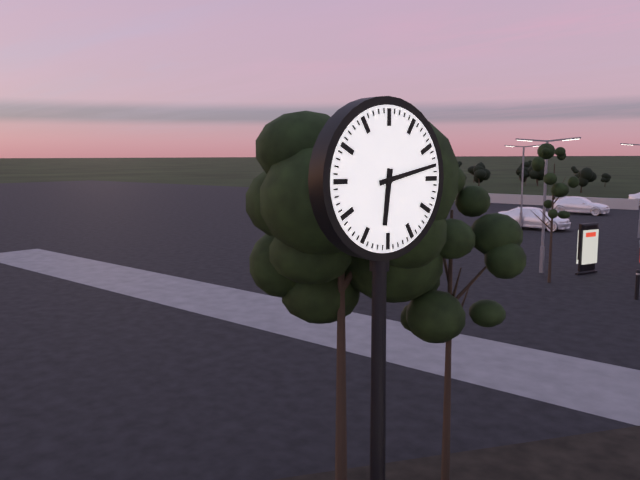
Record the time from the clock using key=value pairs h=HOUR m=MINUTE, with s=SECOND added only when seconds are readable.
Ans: h=6 m=13
